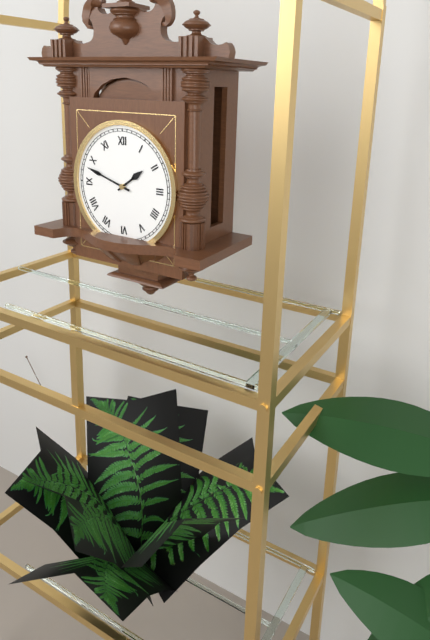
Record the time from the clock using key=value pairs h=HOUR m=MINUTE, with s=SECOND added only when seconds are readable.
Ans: h=1 m=48
